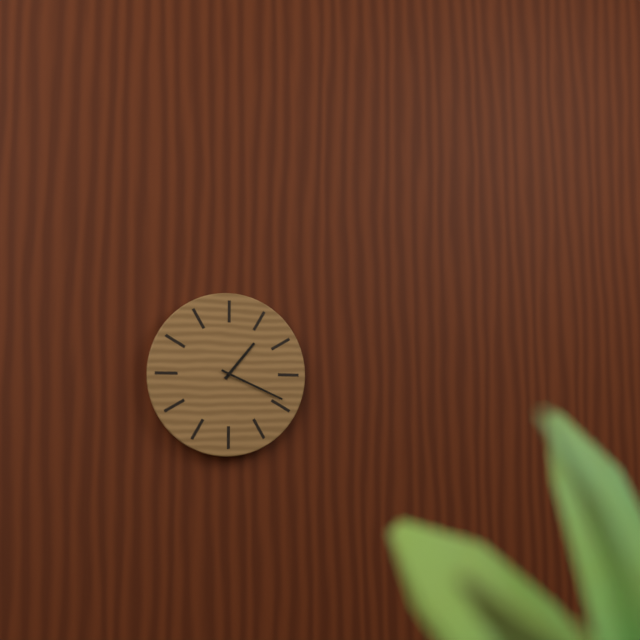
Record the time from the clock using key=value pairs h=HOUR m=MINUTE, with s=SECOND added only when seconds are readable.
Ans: h=1 m=19
